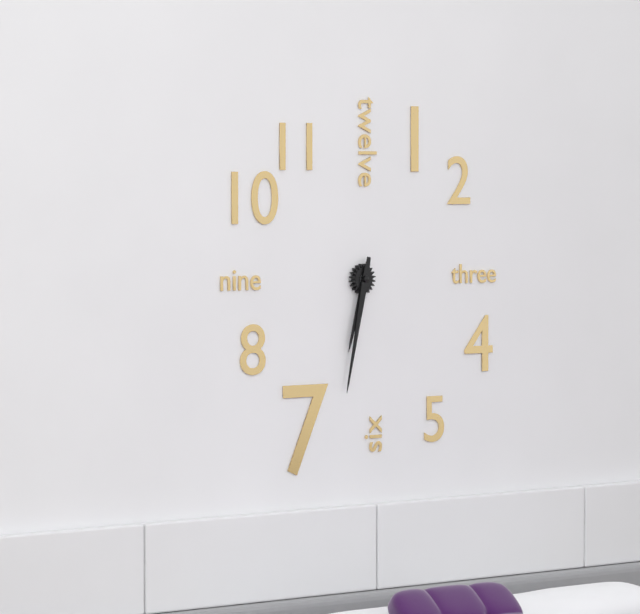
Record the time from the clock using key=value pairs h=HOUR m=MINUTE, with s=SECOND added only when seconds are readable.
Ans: h=6 m=32
